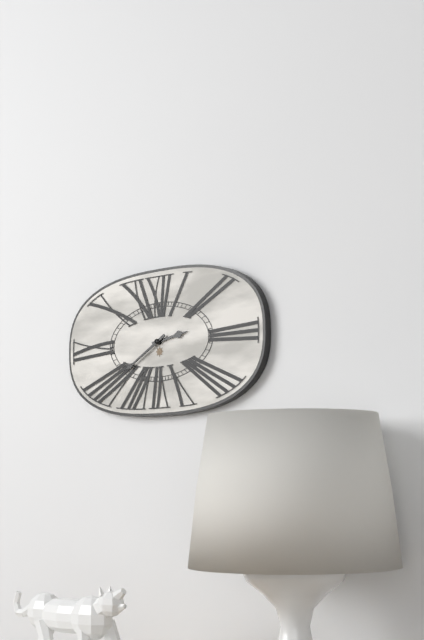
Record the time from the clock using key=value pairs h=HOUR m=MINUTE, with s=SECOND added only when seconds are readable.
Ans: h=2 m=40
